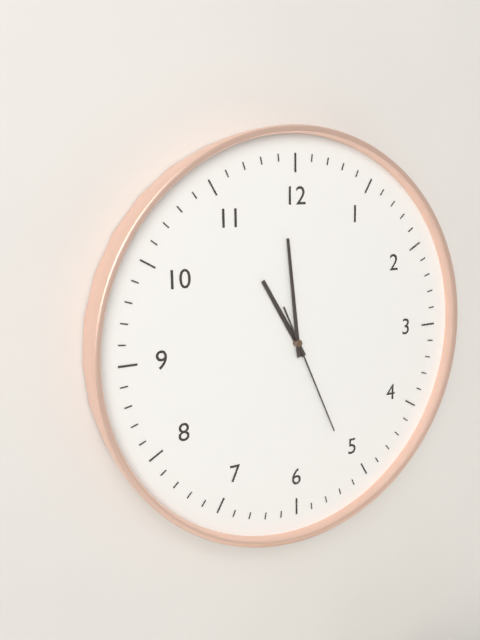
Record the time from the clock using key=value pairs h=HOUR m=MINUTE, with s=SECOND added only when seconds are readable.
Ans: h=10 m=59 s=26
